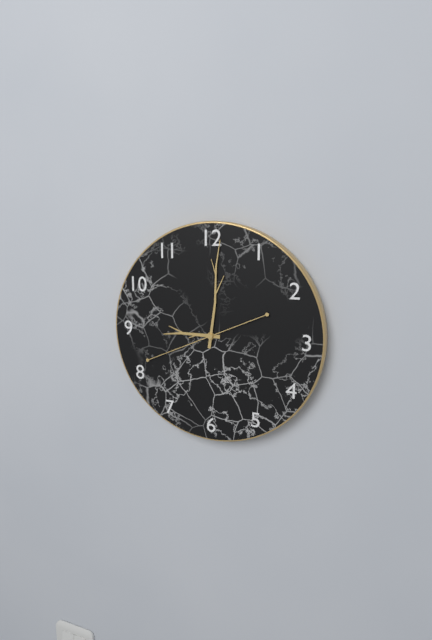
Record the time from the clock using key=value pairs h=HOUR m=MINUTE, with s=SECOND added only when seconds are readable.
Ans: h=9 m=1 s=41
